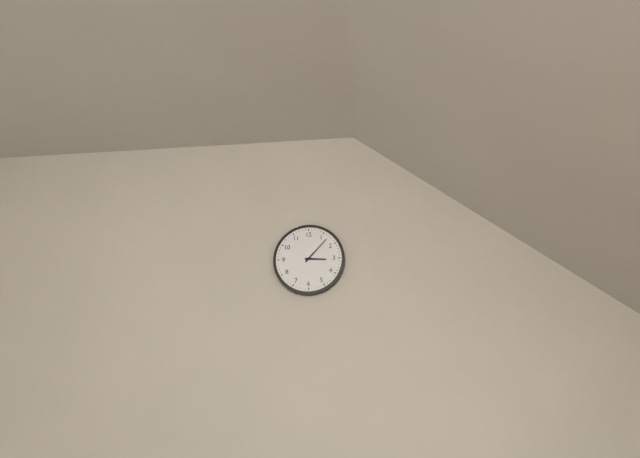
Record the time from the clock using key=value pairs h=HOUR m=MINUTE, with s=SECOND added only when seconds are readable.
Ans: h=3 m=7
